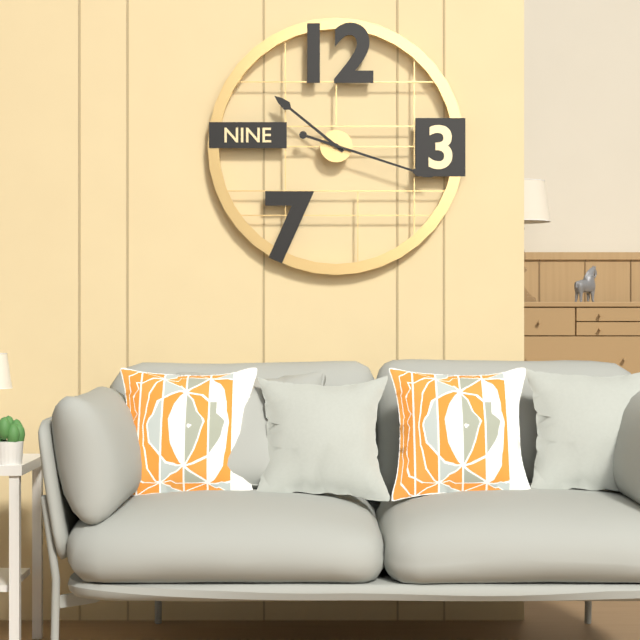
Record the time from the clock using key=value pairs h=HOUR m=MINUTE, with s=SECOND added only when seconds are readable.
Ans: h=10 m=18
